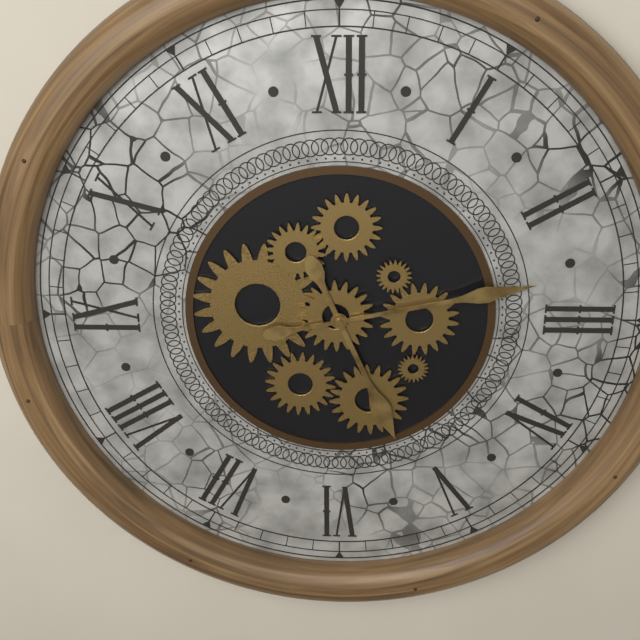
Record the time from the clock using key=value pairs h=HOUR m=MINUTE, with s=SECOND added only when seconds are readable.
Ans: h=5 m=13
